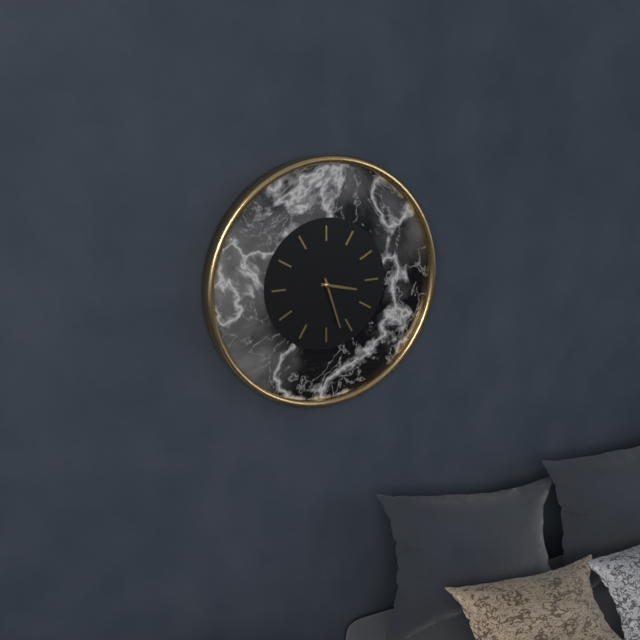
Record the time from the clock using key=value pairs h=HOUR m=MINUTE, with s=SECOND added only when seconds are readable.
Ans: h=3 m=27
